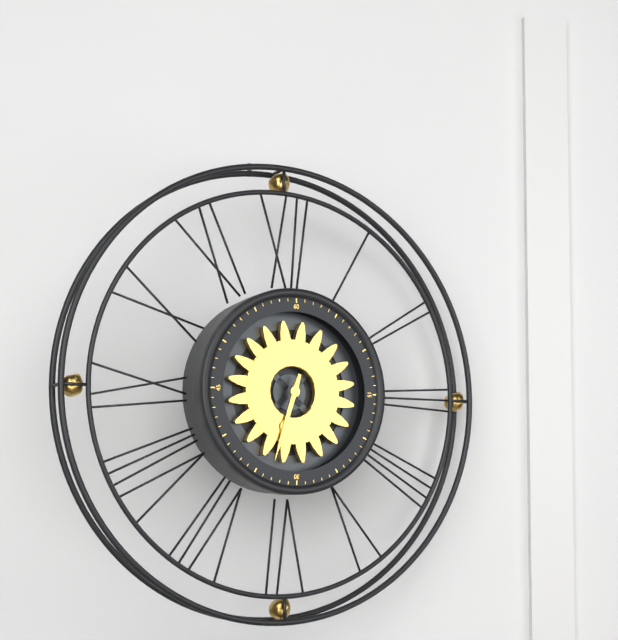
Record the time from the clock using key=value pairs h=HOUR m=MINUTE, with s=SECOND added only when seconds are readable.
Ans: h=6 m=33
